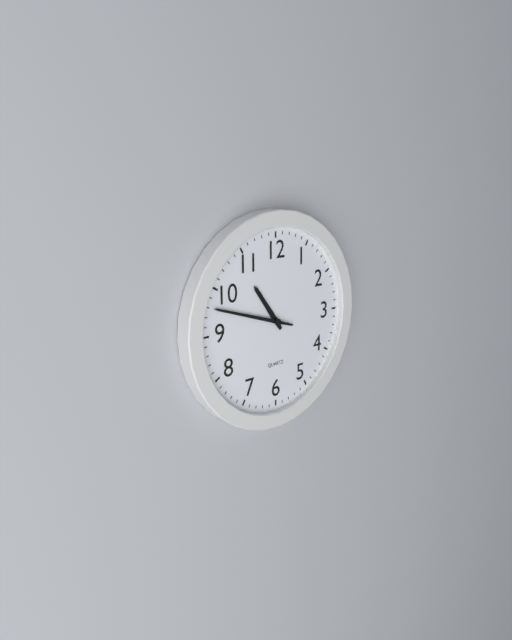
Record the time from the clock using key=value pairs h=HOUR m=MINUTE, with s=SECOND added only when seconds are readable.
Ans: h=10 m=48
